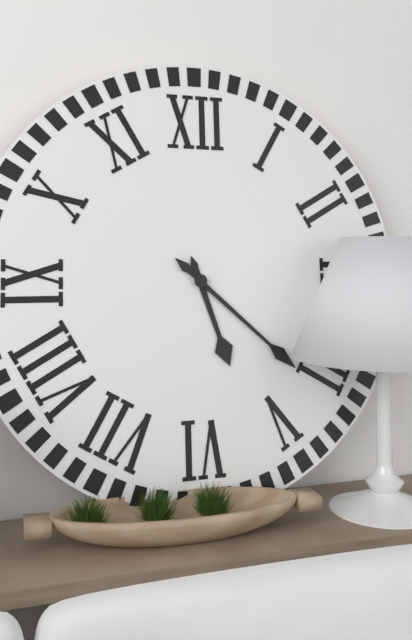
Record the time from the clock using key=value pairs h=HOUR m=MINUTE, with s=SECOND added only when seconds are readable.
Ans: h=5 m=22
